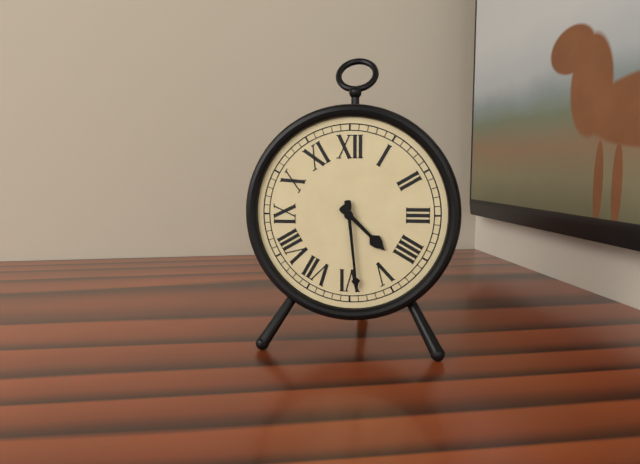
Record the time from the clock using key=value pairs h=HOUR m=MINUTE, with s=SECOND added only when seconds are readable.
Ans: h=4 m=29
